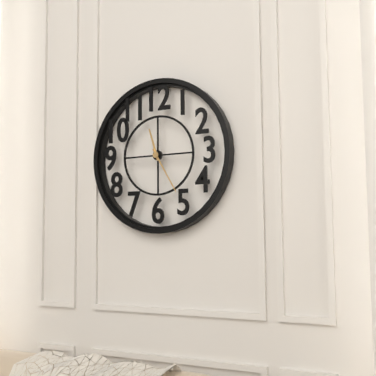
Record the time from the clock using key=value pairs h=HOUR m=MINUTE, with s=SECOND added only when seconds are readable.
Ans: h=11 m=25
